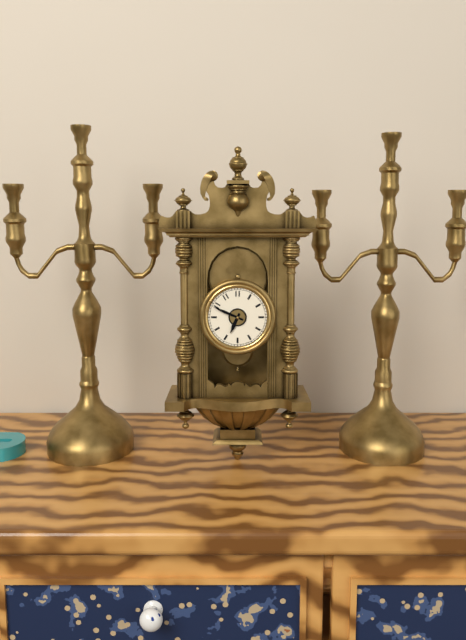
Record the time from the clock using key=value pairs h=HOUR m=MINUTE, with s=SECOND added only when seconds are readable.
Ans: h=6 m=49
